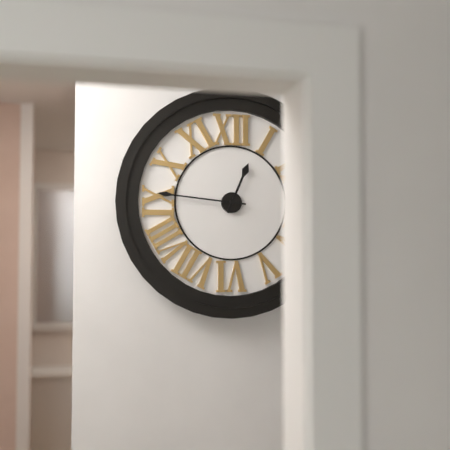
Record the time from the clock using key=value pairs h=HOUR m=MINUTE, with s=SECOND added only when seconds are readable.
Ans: h=12 m=46
